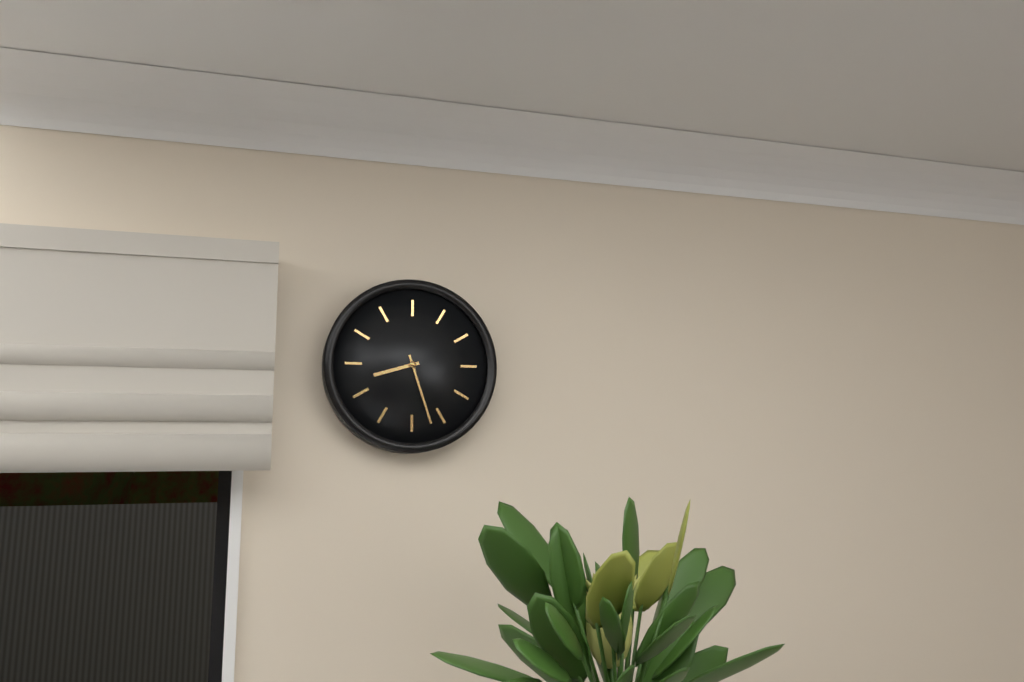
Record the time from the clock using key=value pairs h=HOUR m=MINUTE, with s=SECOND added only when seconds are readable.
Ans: h=8 m=27
